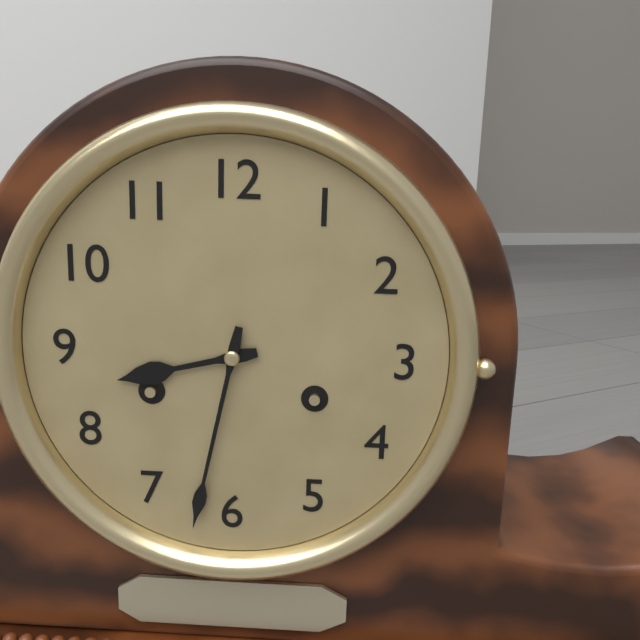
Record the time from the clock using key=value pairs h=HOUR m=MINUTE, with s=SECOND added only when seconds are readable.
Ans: h=8 m=32
